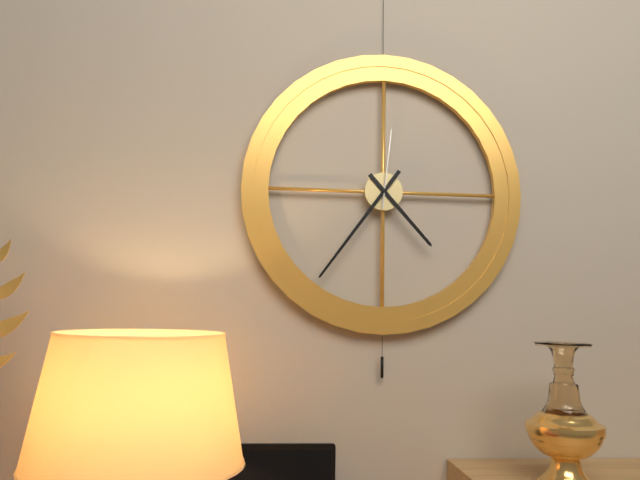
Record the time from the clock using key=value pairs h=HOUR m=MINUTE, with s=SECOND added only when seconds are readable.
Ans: h=4 m=36 s=1
